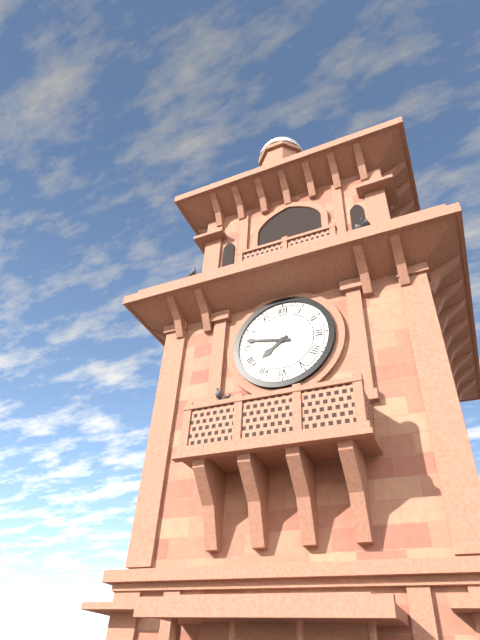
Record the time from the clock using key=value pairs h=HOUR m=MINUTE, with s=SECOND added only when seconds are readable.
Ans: h=7 m=47
